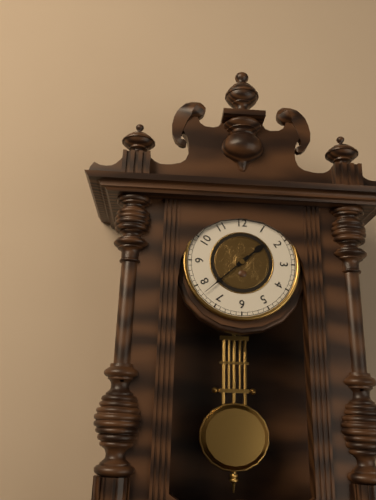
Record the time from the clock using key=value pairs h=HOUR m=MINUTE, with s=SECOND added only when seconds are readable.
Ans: h=1 m=38
